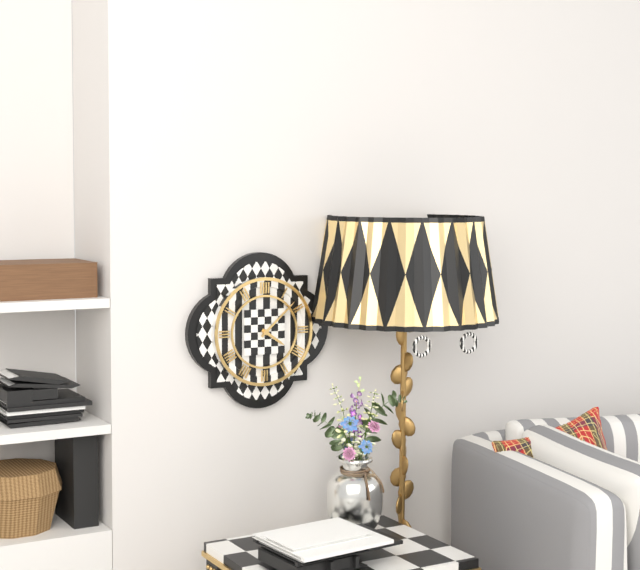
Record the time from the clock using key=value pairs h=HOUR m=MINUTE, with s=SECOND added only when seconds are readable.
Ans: h=4 m=8
